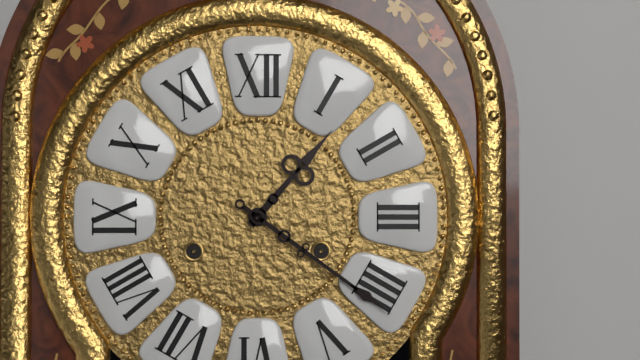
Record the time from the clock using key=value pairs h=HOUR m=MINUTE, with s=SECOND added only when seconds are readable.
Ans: h=1 m=21
